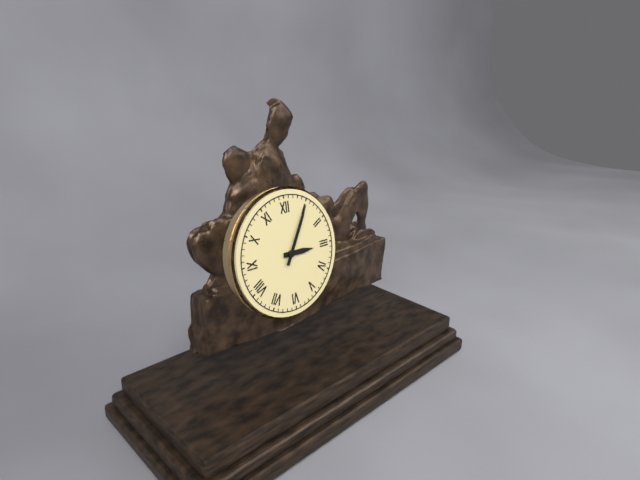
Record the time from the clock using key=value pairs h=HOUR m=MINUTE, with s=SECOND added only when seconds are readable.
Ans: h=3 m=5
